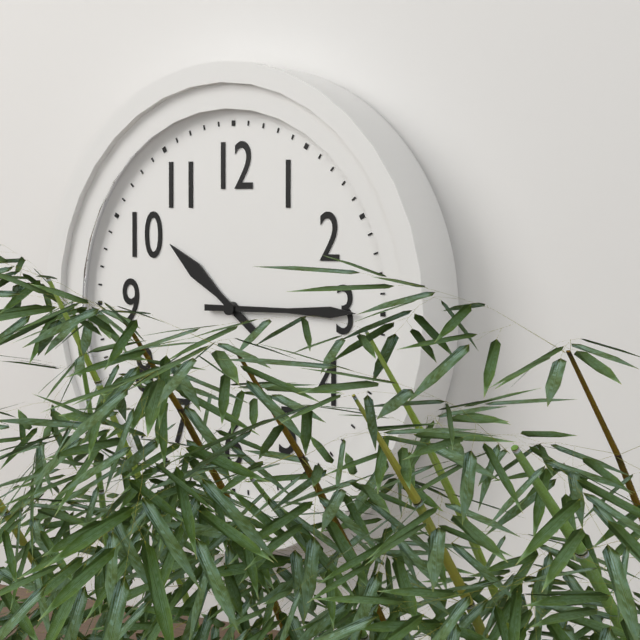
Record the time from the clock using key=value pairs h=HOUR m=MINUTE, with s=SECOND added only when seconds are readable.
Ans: h=10 m=15
